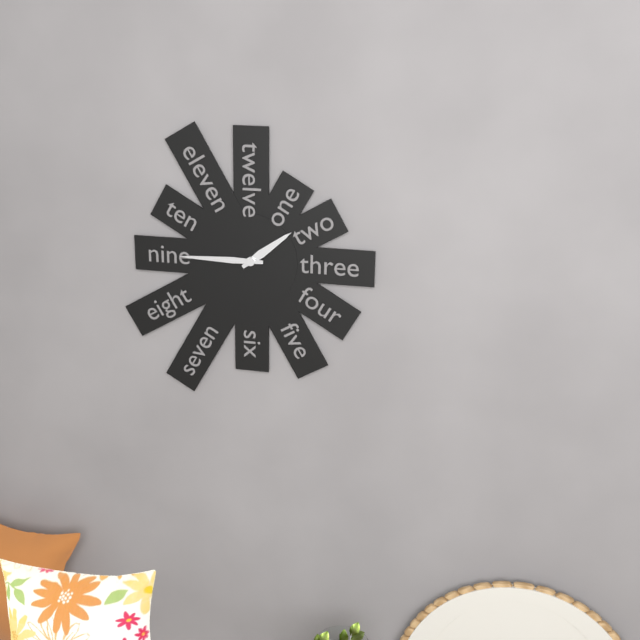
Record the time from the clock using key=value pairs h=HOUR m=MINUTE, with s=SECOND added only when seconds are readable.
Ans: h=1 m=45
